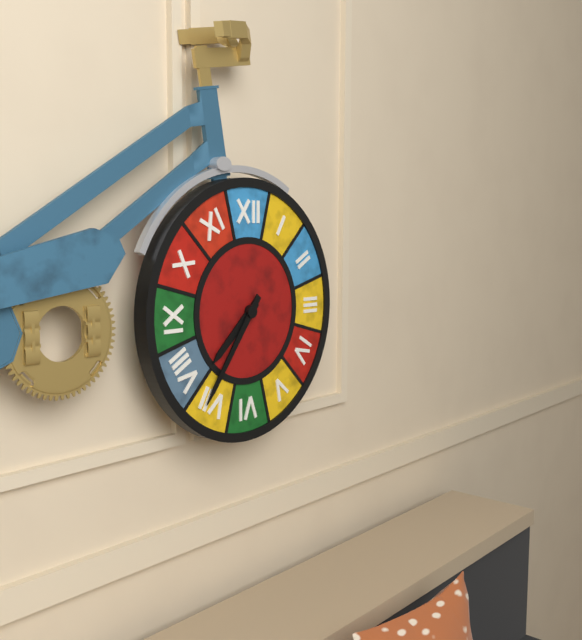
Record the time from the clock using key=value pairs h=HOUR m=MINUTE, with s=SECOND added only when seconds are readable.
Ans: h=7 m=36
